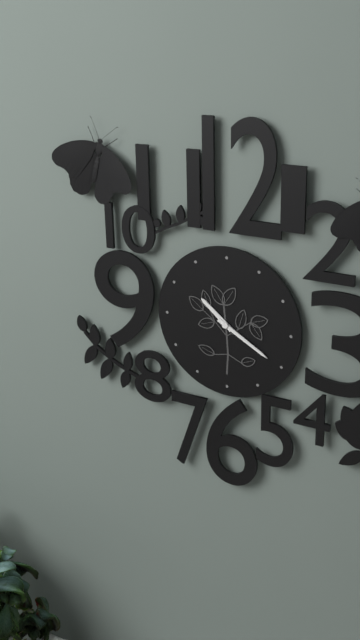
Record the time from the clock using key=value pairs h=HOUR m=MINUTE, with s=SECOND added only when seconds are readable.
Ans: h=10 m=20
